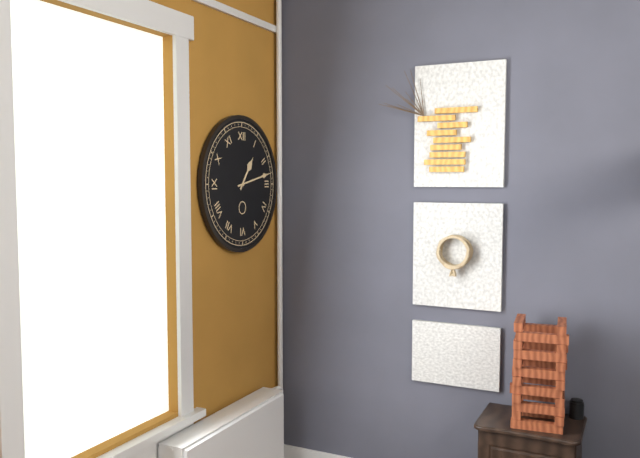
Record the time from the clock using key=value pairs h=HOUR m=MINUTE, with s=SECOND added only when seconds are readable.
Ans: h=1 m=13
